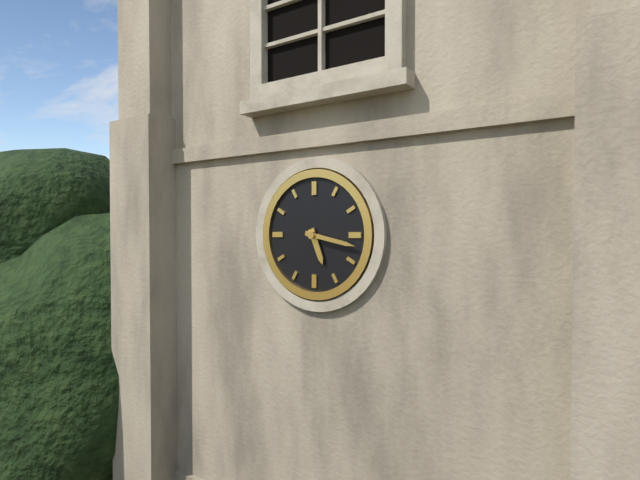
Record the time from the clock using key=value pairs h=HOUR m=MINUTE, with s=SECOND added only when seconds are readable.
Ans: h=5 m=17
